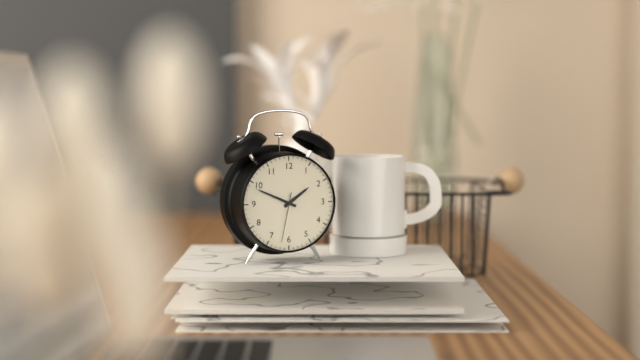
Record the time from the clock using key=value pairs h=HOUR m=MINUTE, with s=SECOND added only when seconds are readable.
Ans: h=1 m=49 s=32
